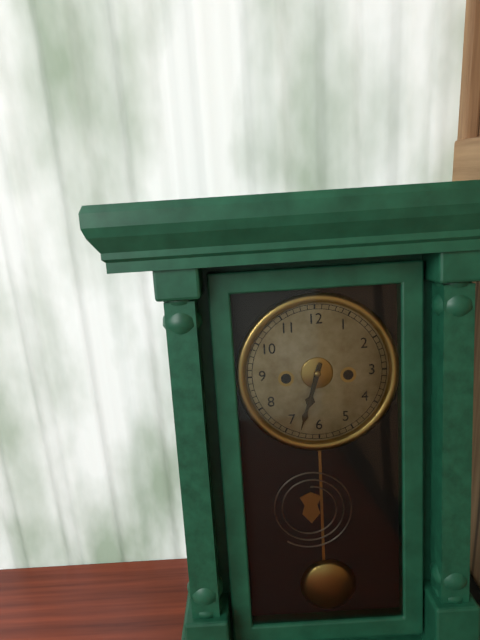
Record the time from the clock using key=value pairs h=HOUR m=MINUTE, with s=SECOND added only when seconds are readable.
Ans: h=6 m=33
